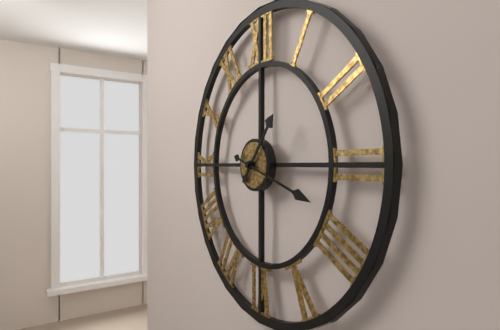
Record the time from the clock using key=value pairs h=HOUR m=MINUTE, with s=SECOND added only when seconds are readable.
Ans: h=1 m=18
